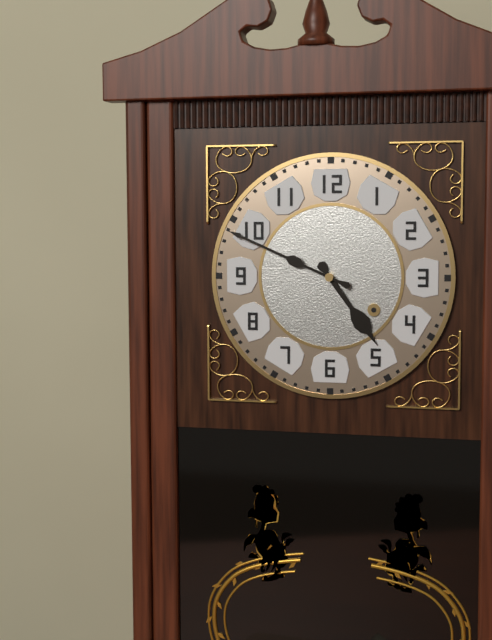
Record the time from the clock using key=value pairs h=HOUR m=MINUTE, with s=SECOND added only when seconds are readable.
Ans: h=4 m=49
